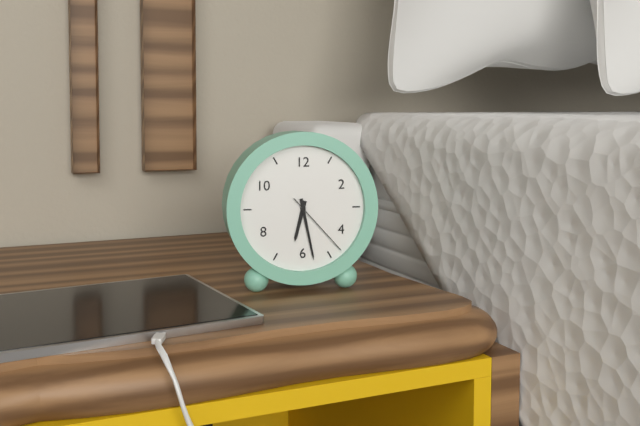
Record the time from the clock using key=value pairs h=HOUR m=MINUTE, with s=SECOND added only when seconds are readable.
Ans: h=6 m=28 s=23
